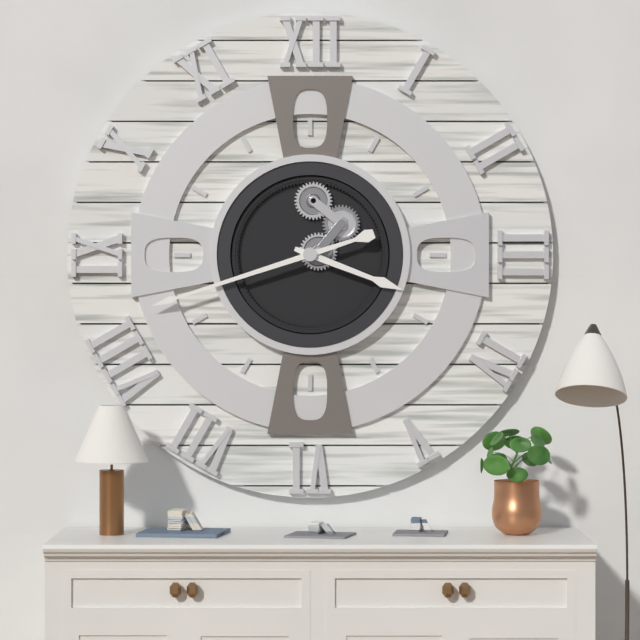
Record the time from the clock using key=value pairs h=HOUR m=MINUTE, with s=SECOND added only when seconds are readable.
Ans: h=3 m=42
